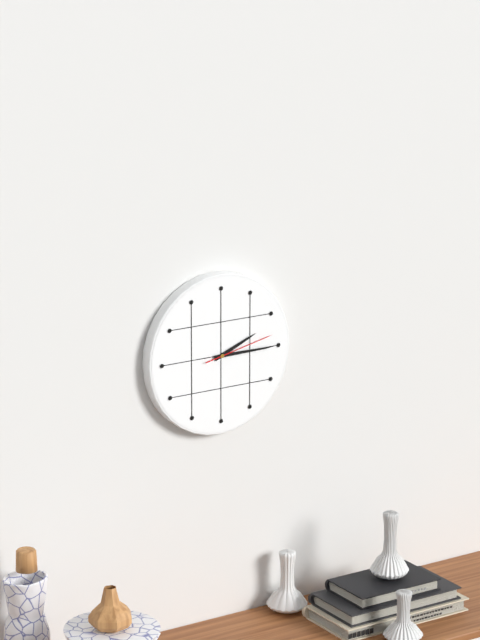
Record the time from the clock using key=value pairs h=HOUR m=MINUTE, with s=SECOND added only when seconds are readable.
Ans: h=2 m=15 s=13
